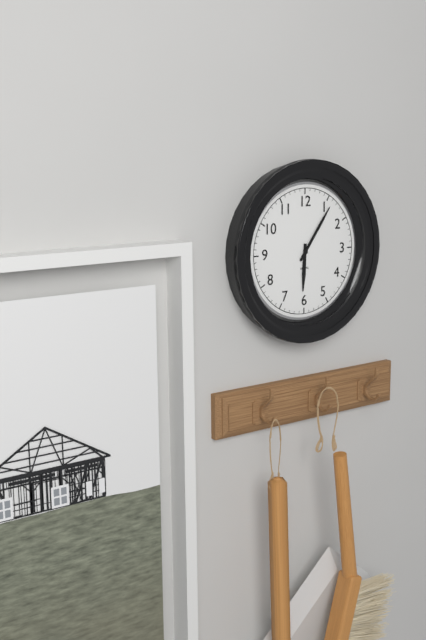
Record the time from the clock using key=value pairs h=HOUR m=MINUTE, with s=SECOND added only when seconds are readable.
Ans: h=6 m=6
